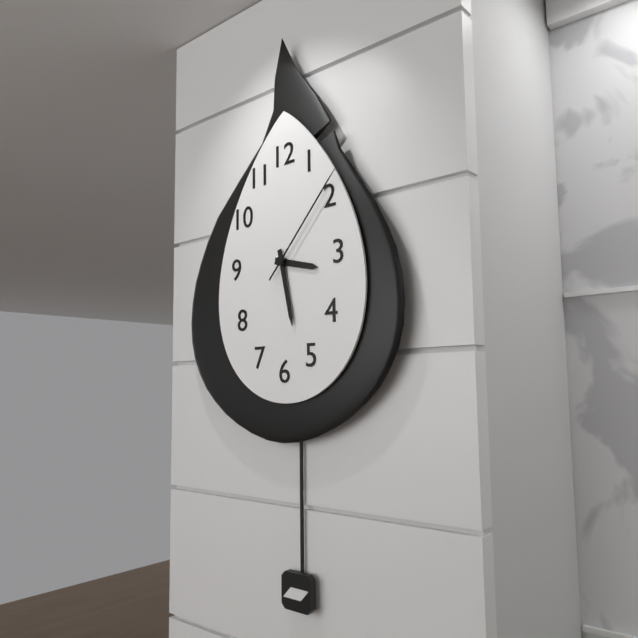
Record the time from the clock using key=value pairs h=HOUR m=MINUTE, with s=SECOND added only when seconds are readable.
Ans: h=3 m=28 s=7
